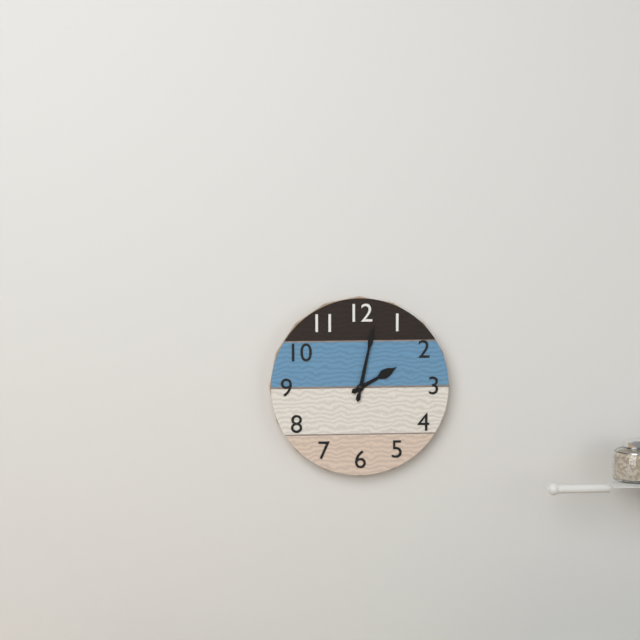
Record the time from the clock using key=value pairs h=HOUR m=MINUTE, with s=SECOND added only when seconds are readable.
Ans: h=2 m=2
